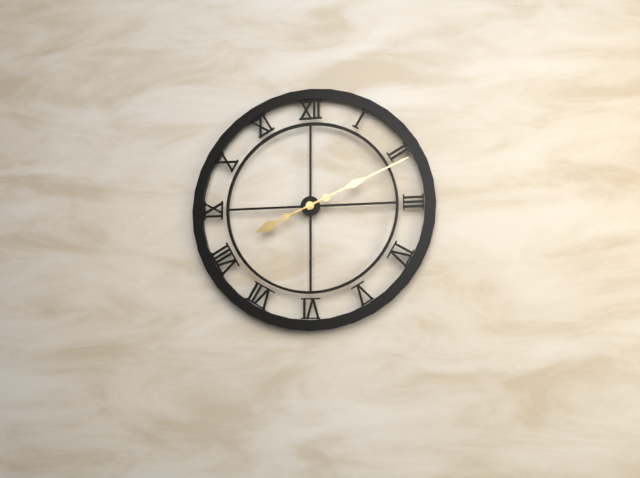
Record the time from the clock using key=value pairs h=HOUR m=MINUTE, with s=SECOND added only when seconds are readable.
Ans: h=8 m=11
